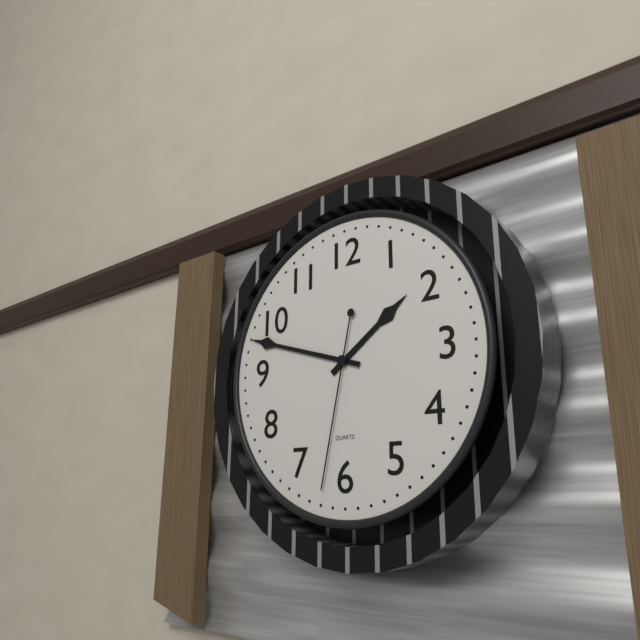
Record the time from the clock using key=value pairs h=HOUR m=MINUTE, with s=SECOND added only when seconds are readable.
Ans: h=1 m=48 s=32
